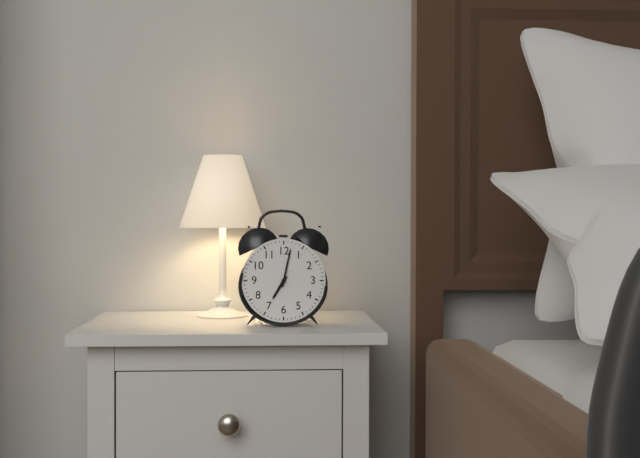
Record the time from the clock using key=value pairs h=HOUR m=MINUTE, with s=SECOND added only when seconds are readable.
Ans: h=7 m=2
